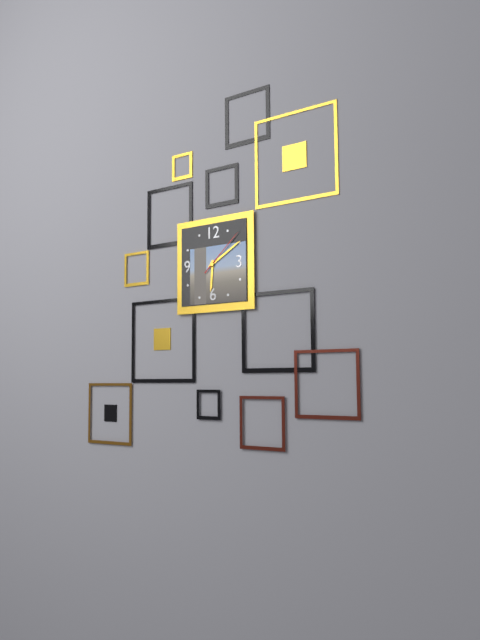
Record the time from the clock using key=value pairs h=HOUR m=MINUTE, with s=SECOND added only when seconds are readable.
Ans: h=6 m=10 s=8
